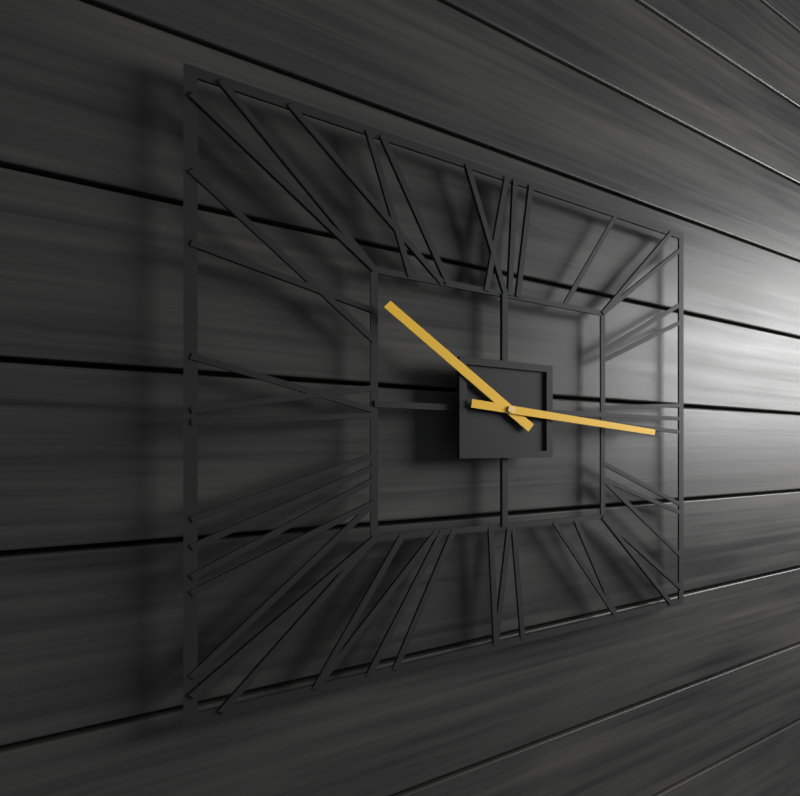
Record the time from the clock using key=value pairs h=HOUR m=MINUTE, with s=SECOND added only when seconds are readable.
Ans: h=10 m=16
